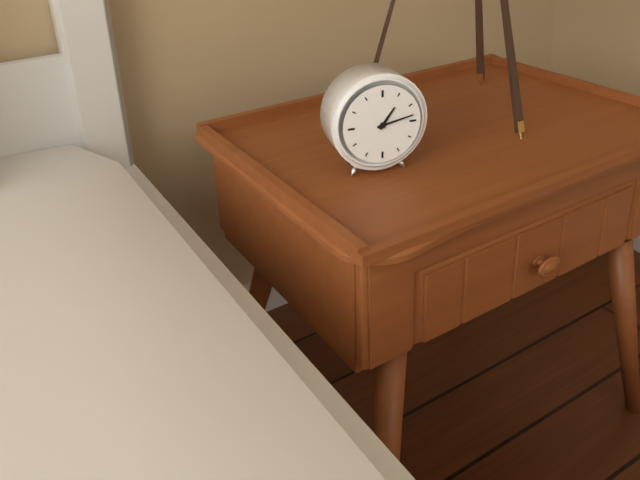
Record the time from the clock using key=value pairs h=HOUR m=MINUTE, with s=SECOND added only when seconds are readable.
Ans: h=1 m=13
